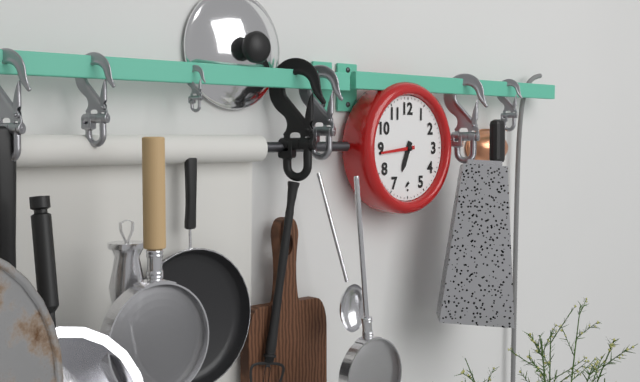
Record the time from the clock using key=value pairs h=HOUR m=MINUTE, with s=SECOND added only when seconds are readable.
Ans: h=6 m=44
